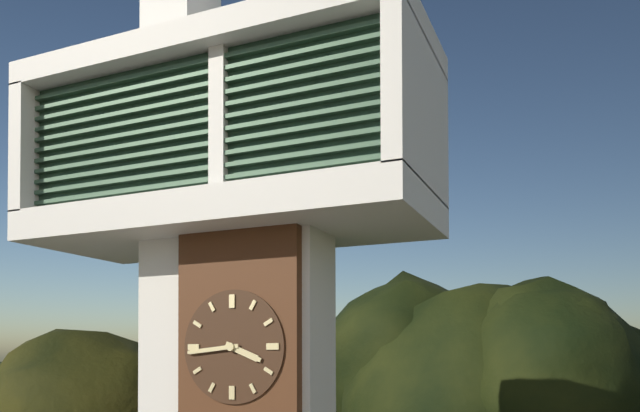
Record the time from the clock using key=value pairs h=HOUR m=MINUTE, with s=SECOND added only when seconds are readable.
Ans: h=3 m=44
